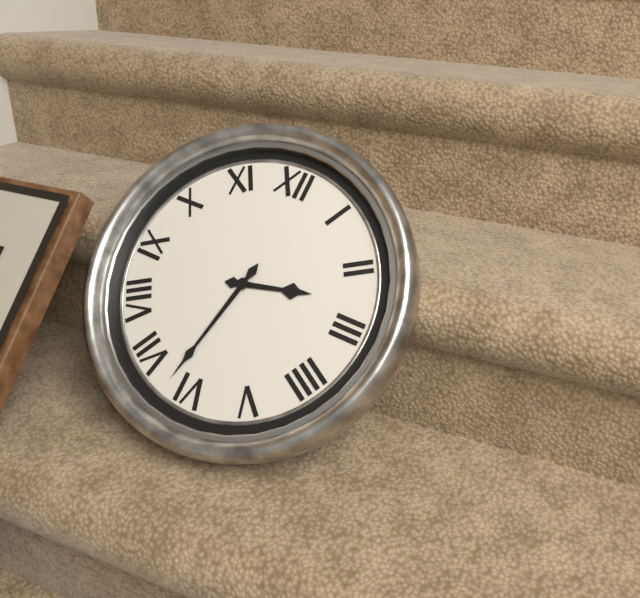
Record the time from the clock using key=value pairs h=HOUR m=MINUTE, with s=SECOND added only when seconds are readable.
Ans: h=2 m=32
